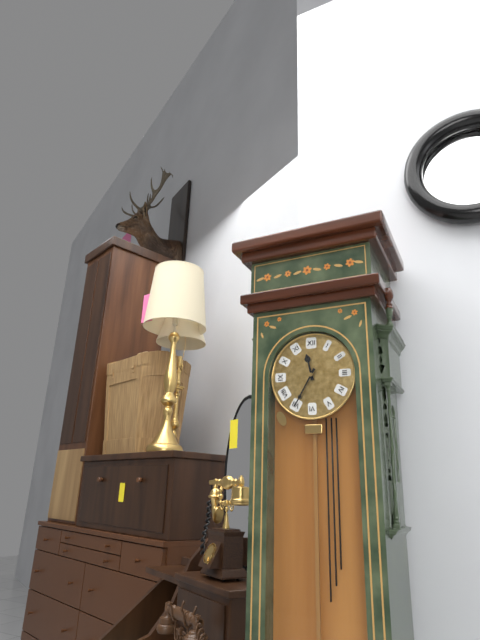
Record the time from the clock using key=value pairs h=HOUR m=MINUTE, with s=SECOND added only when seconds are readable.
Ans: h=11 m=35
